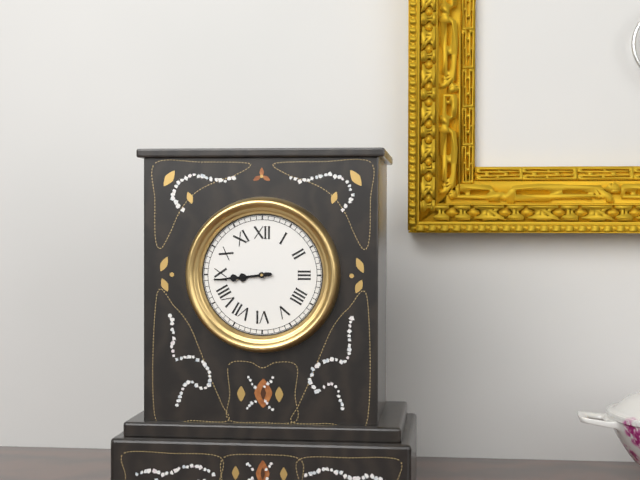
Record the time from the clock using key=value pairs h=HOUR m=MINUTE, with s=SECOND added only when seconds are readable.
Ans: h=8 m=44
